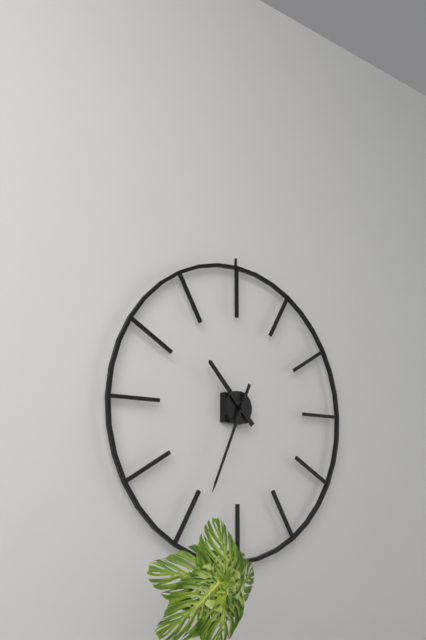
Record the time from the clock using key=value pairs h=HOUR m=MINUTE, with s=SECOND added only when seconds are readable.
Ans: h=10 m=34
